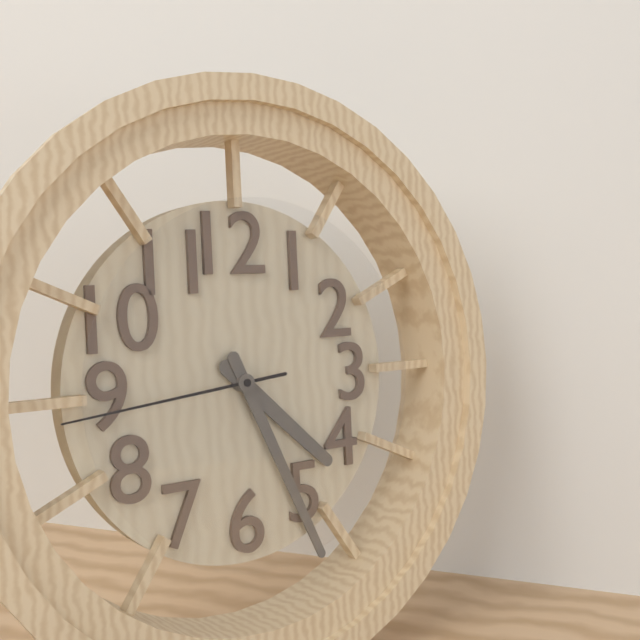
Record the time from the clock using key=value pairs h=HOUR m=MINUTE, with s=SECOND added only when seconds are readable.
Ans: h=4 m=26 s=44
